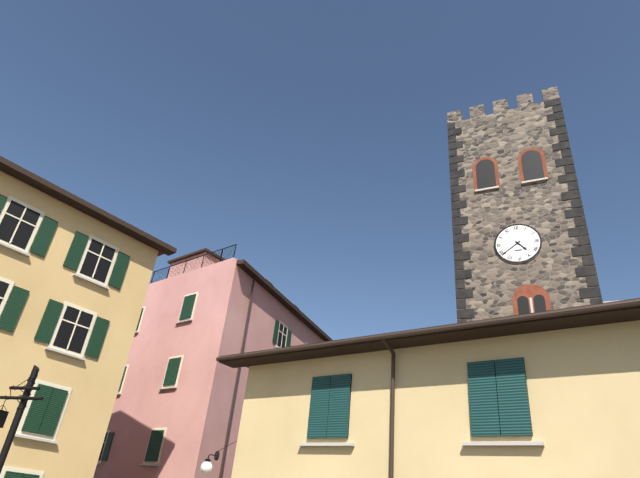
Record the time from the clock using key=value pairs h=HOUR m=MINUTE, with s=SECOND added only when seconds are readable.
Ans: h=4 m=39
